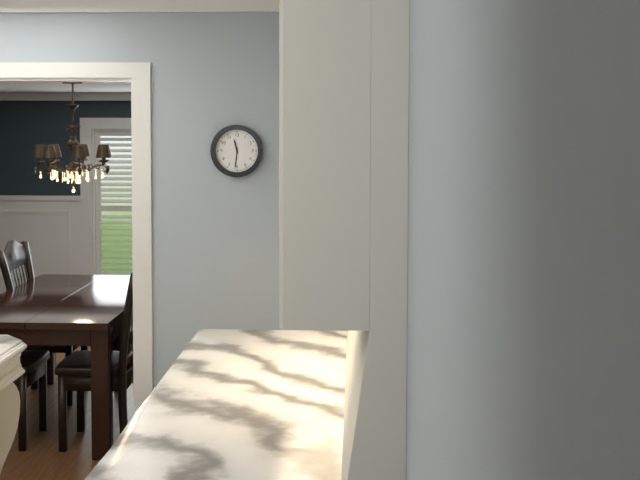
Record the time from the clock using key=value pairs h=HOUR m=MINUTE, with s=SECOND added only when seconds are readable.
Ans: h=11 m=31
